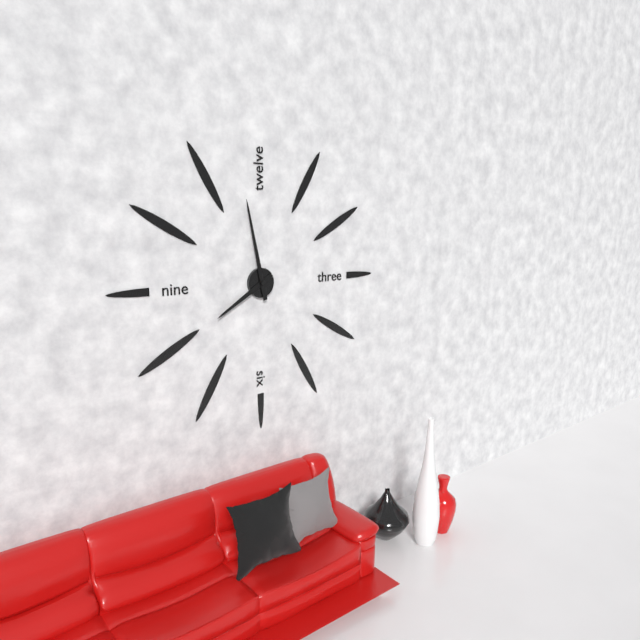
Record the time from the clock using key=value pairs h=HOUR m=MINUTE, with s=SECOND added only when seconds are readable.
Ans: h=7 m=58
